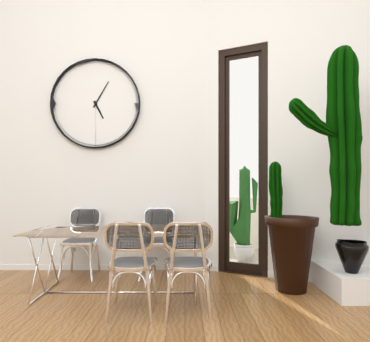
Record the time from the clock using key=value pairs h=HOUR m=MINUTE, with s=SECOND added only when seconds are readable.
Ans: h=5 m=5
